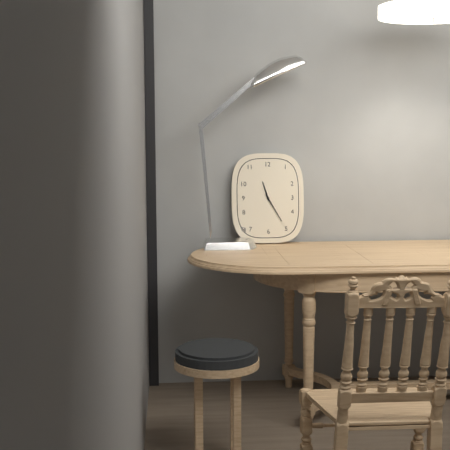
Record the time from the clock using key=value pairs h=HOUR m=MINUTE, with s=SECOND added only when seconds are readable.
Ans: h=11 m=25
